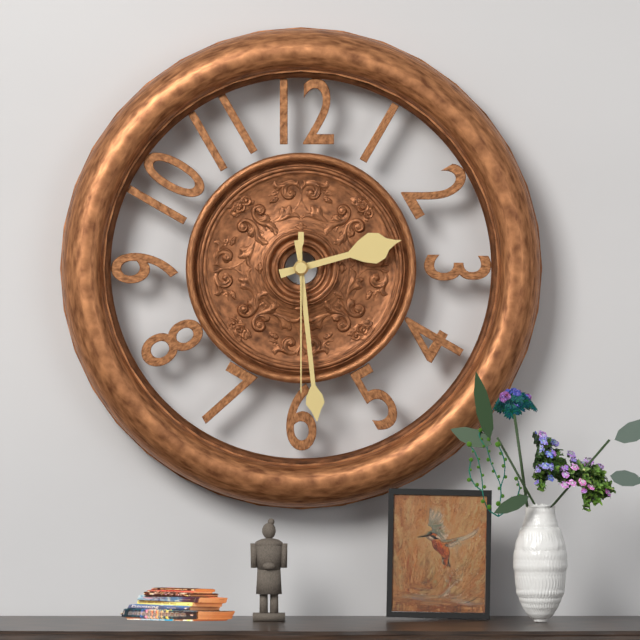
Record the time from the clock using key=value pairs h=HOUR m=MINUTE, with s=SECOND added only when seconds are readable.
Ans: h=2 m=29 s=30
